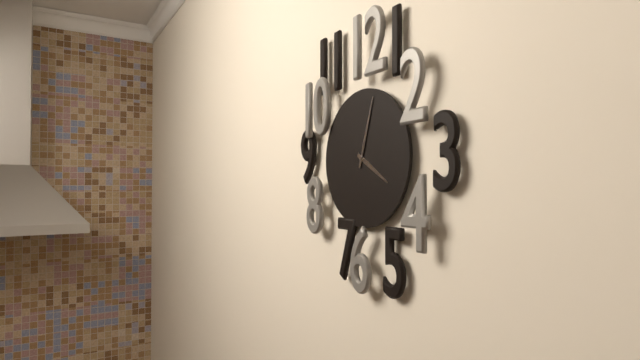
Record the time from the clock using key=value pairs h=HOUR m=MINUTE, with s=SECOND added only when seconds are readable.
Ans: h=4 m=3
